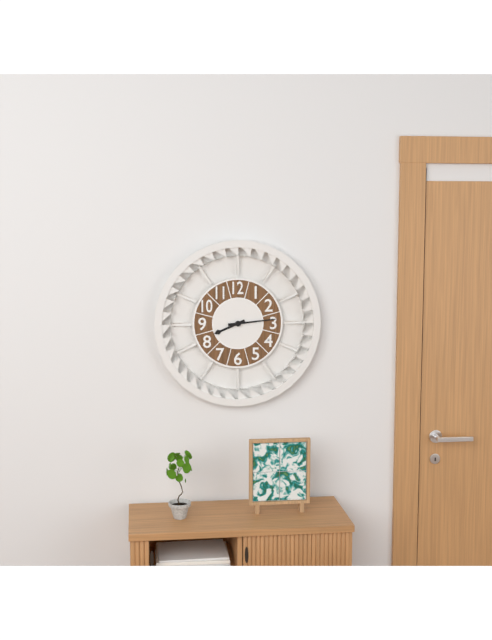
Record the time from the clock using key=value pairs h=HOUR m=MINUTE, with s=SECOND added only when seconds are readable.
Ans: h=8 m=14
